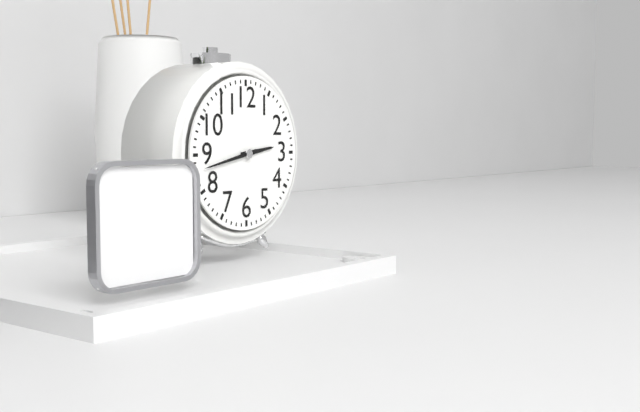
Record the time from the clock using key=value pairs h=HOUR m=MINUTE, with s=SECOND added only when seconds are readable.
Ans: h=2 m=43
